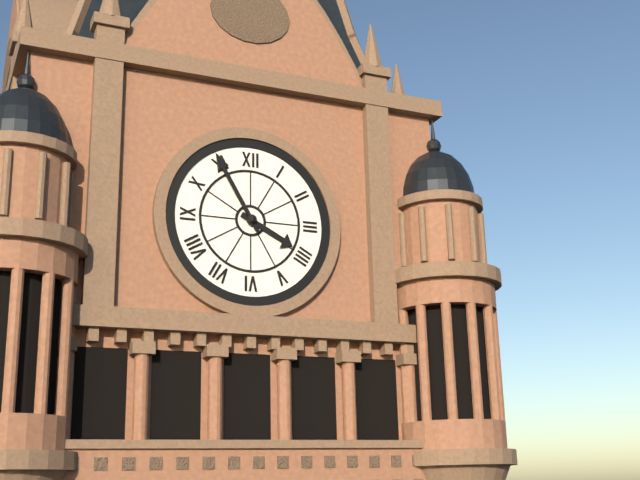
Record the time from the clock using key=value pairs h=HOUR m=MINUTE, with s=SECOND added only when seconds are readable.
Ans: h=3 m=55
